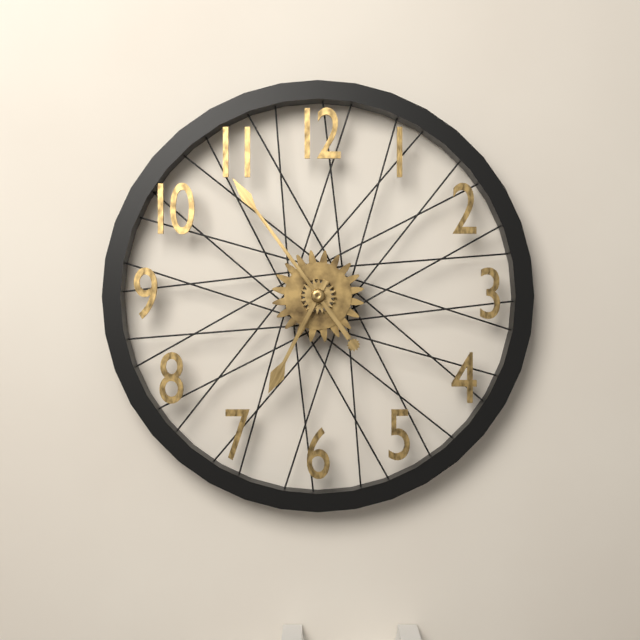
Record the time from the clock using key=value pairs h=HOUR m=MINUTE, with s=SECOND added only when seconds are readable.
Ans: h=6 m=54
